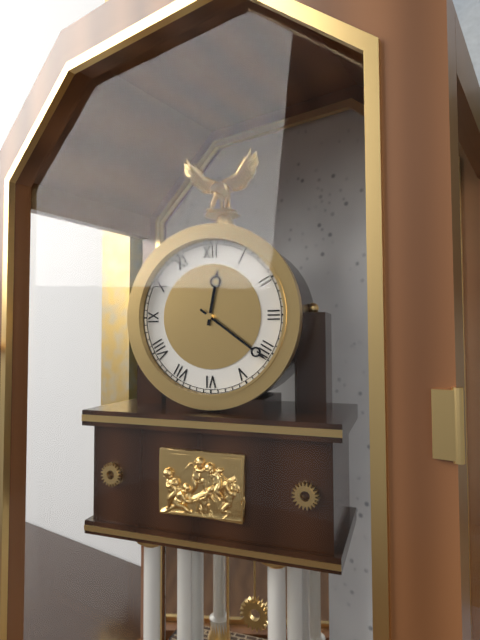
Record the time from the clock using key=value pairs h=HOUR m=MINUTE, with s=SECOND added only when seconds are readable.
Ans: h=12 m=21
